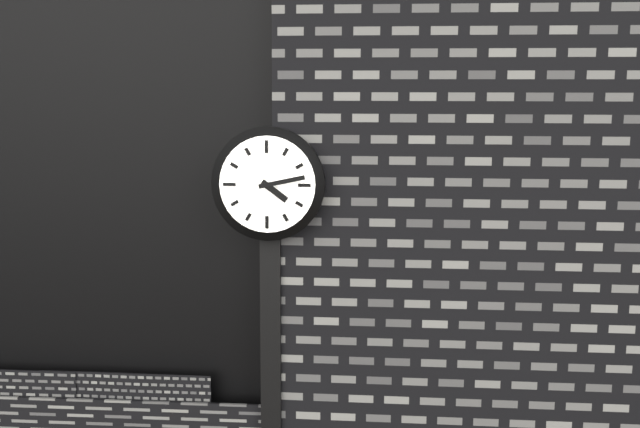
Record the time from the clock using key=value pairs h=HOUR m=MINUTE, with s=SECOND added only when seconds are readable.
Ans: h=4 m=13
